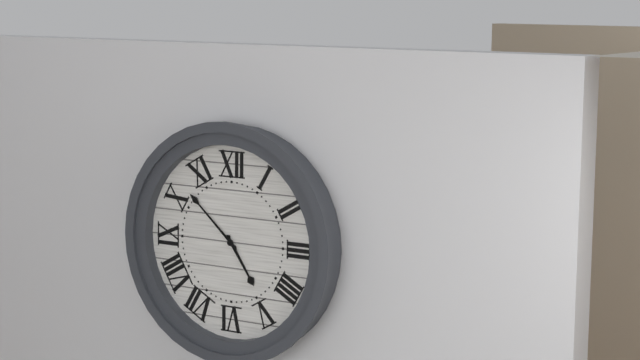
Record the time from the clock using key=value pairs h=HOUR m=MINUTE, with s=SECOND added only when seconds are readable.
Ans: h=4 m=52
